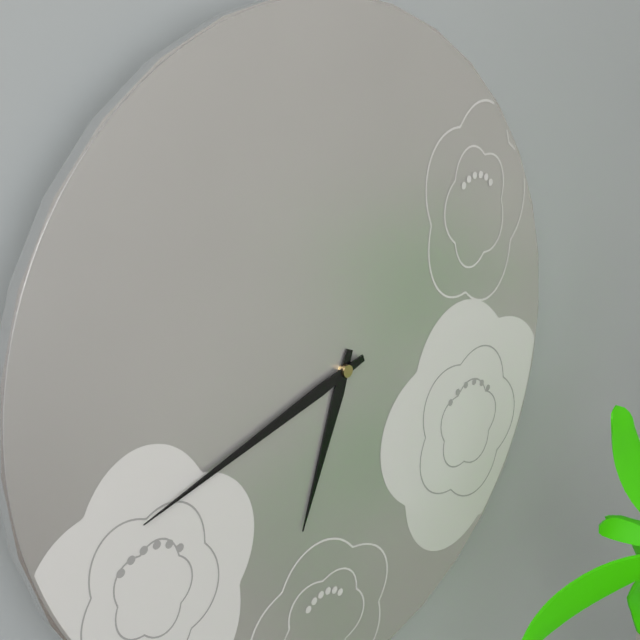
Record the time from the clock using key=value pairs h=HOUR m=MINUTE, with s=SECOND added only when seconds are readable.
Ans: h=6 m=42
